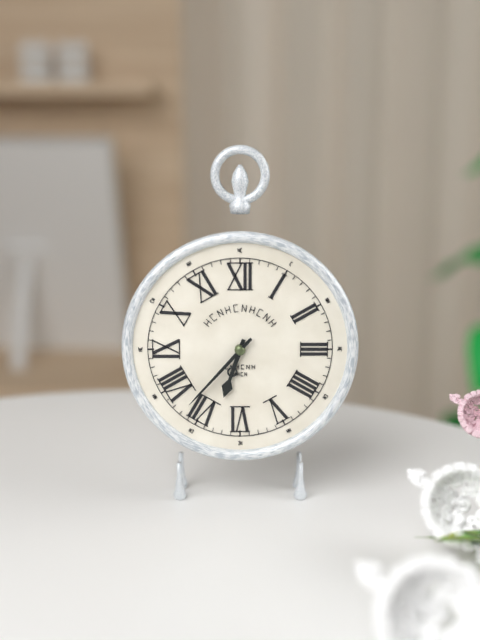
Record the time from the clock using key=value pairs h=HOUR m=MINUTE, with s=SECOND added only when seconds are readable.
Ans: h=6 m=37
